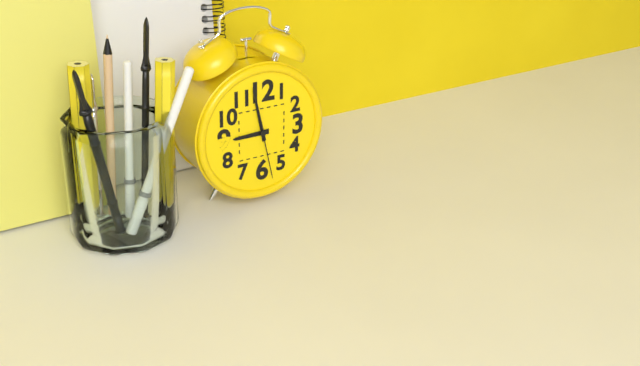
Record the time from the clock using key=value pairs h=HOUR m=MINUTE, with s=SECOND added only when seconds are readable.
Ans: h=8 m=58 s=28
